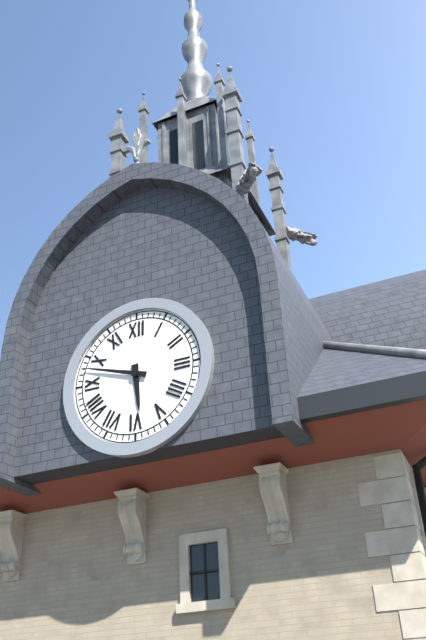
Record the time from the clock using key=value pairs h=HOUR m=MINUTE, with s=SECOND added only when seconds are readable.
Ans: h=5 m=48
